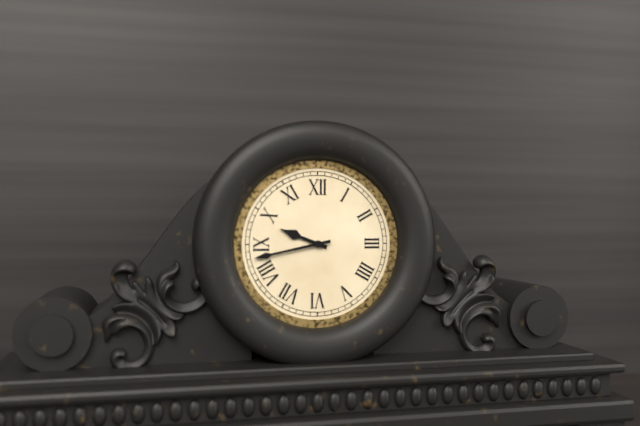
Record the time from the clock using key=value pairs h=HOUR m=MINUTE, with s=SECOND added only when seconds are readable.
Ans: h=9 m=43
